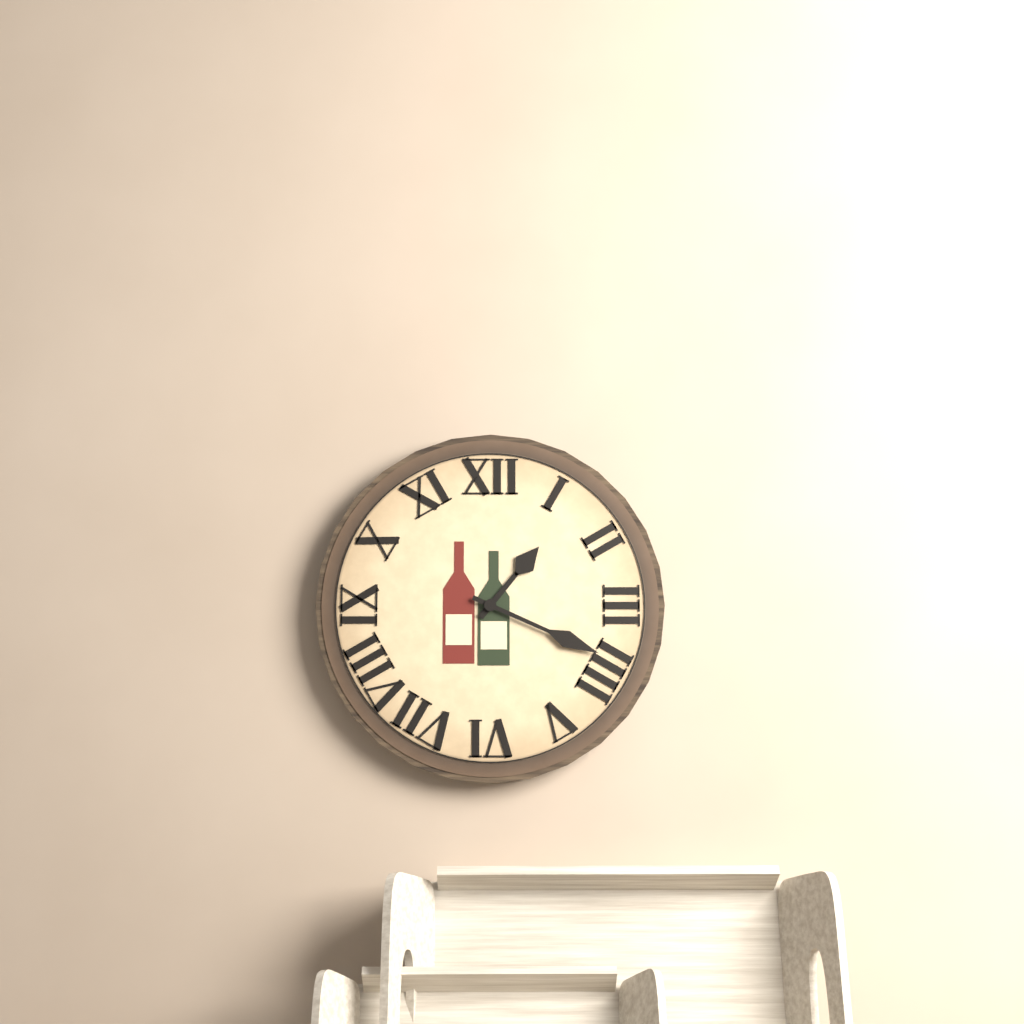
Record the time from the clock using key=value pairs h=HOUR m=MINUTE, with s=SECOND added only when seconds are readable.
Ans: h=1 m=19
